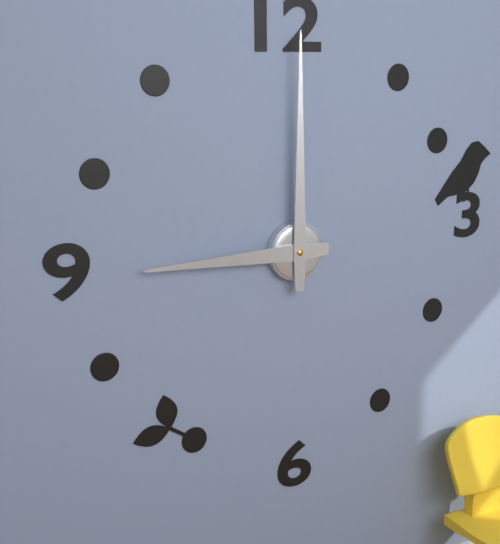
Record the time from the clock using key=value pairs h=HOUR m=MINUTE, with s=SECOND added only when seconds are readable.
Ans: h=9 m=0
